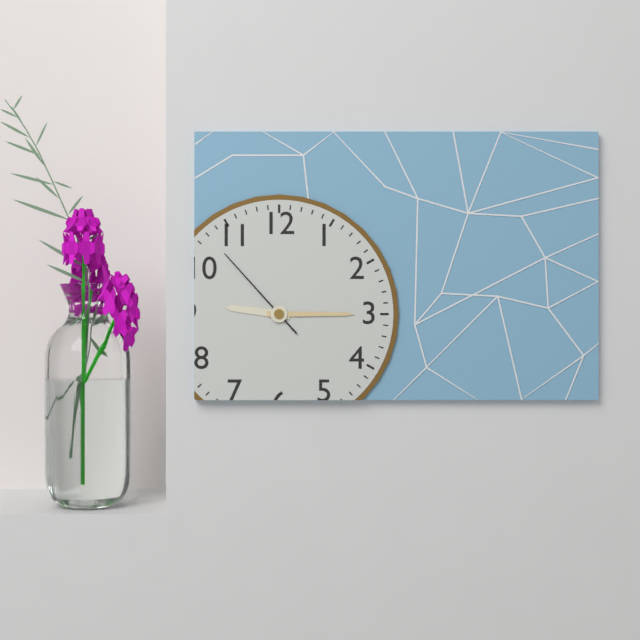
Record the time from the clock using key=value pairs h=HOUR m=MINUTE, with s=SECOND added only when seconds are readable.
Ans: h=9 m=15 s=53
